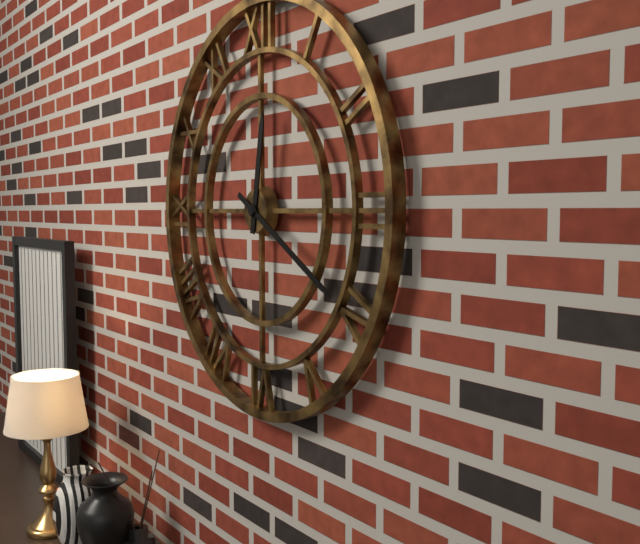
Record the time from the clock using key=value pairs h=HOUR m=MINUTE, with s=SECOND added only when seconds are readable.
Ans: h=12 m=20
